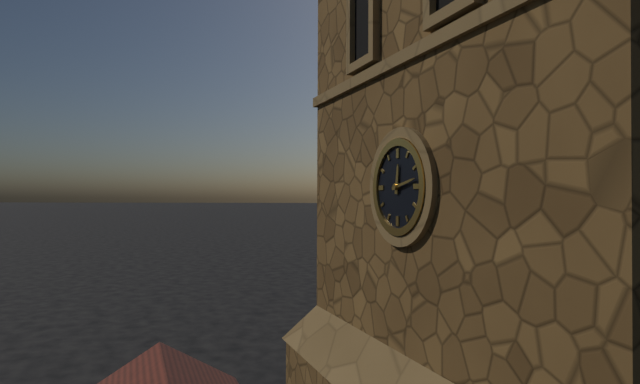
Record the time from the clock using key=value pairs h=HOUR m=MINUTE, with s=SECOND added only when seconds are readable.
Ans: h=12 m=13
